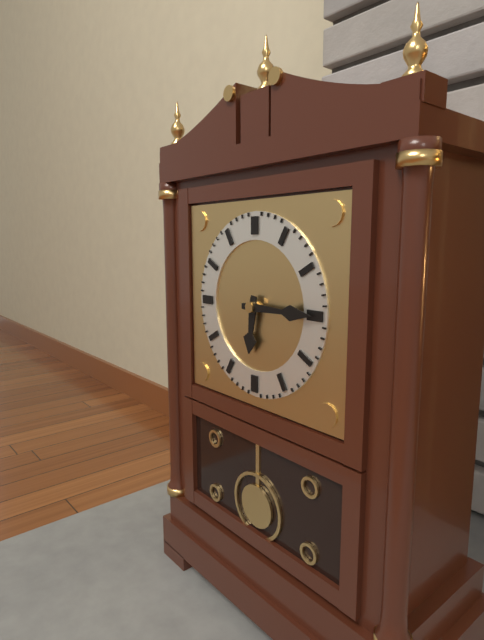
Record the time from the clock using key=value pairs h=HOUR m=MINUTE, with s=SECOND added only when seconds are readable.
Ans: h=6 m=15
